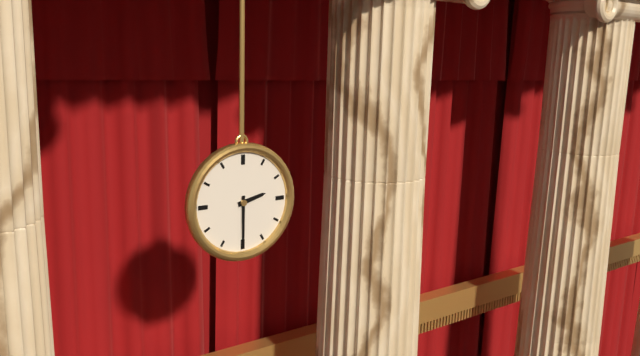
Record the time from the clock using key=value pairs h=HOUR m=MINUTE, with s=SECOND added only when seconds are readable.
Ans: h=2 m=30
